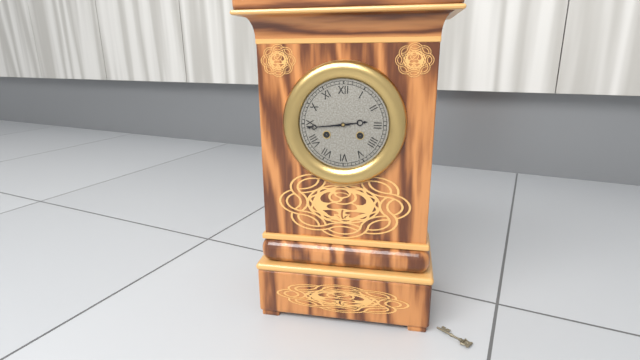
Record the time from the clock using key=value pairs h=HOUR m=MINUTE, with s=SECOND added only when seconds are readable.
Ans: h=2 m=44
